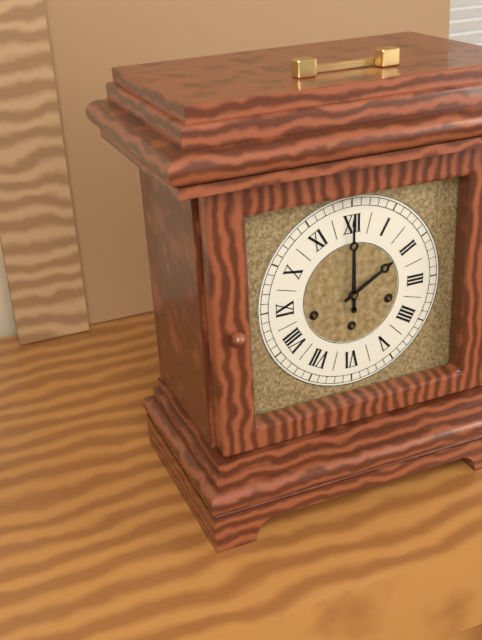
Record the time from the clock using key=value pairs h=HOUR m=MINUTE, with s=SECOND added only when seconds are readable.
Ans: h=2 m=0
